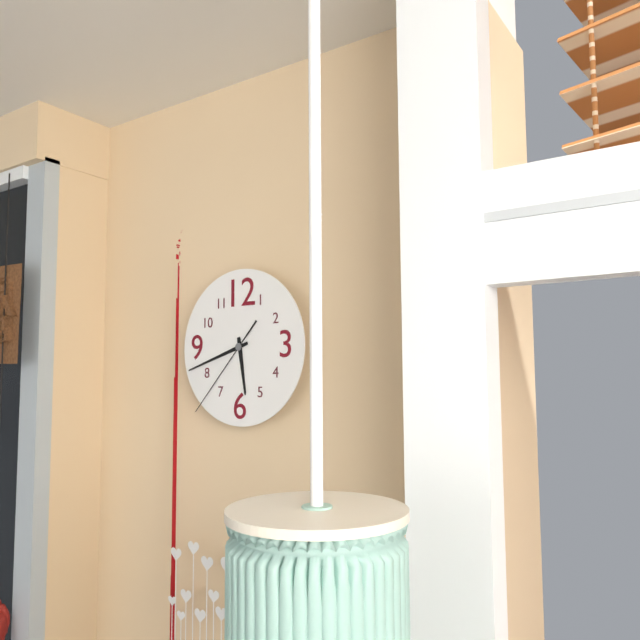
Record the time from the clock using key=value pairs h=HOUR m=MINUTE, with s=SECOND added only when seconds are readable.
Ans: h=5 m=42 s=37
